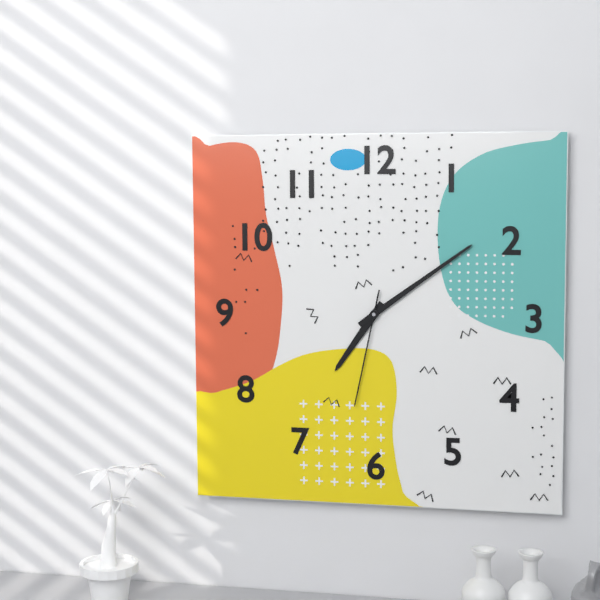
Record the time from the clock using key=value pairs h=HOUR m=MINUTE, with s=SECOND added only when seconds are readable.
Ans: h=7 m=9 s=32
